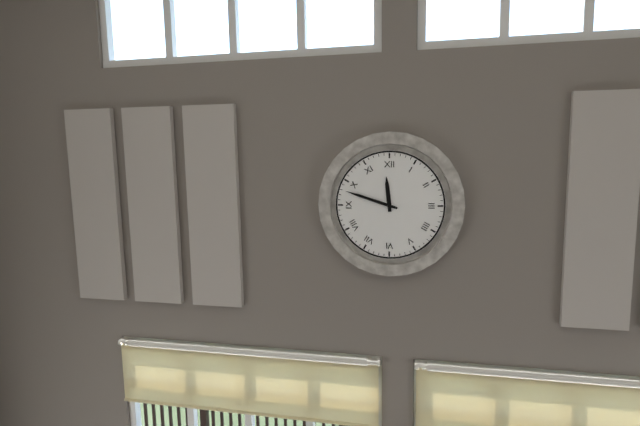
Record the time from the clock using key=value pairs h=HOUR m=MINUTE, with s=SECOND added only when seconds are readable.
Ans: h=11 m=48
